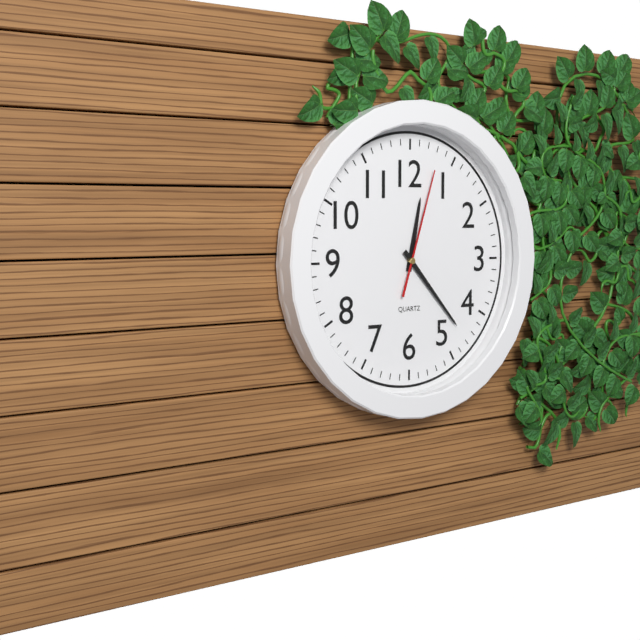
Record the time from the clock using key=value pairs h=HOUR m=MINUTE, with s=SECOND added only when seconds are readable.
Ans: h=12 m=23 s=3
